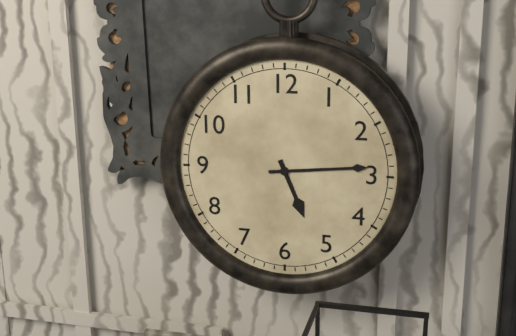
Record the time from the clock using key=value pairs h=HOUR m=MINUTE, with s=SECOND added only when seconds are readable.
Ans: h=5 m=14
